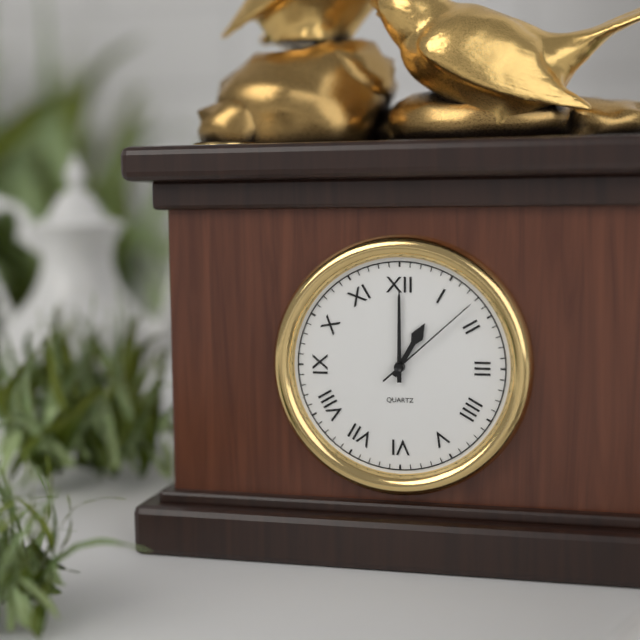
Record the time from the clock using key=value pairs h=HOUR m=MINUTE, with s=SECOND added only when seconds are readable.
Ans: h=1 m=0 s=8
